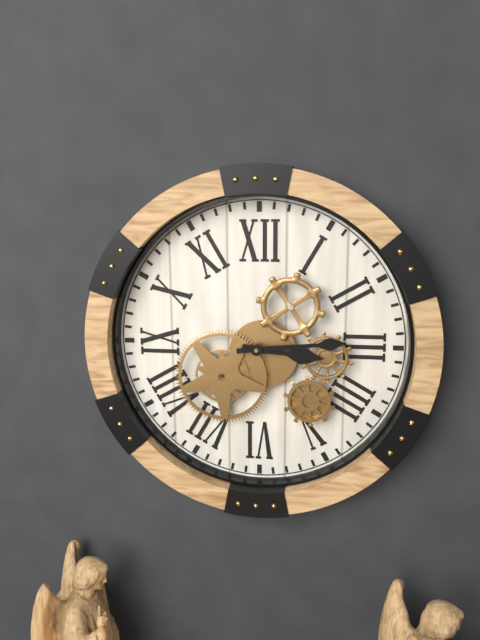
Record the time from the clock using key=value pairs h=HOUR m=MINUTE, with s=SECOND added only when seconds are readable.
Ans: h=3 m=14
